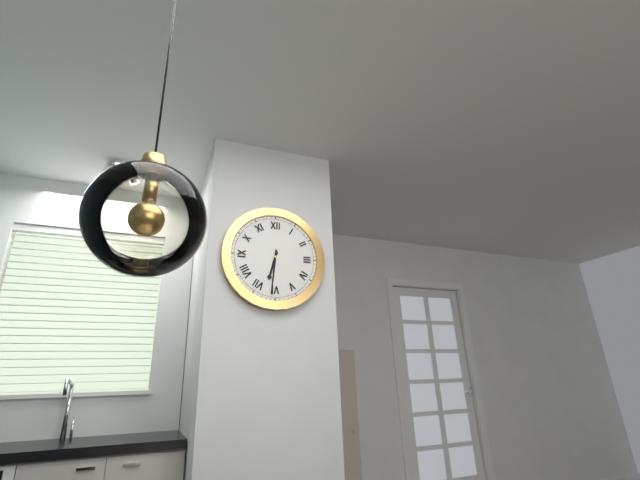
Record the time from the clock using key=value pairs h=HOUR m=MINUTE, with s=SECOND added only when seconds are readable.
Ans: h=6 m=31
